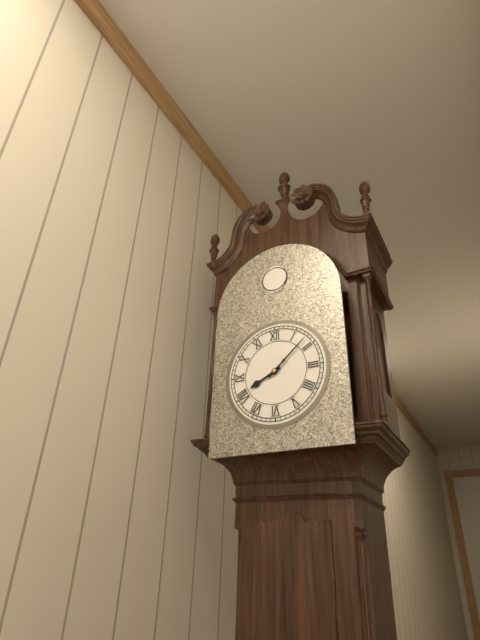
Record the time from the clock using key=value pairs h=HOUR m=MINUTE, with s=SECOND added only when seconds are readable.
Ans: h=8 m=8
